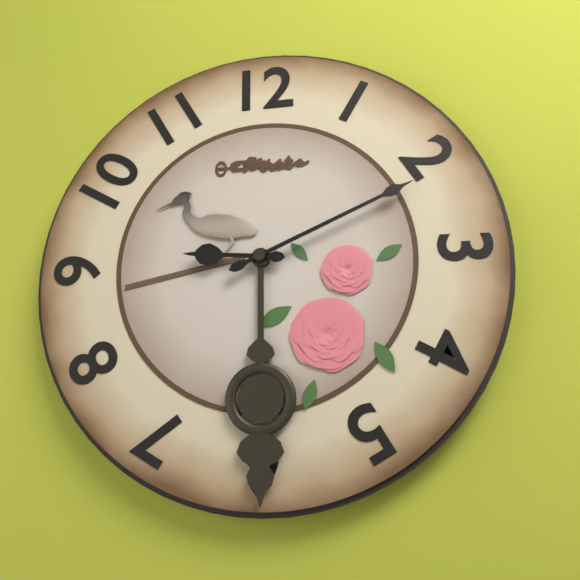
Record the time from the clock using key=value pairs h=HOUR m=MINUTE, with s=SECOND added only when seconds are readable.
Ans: h=9 m=11
